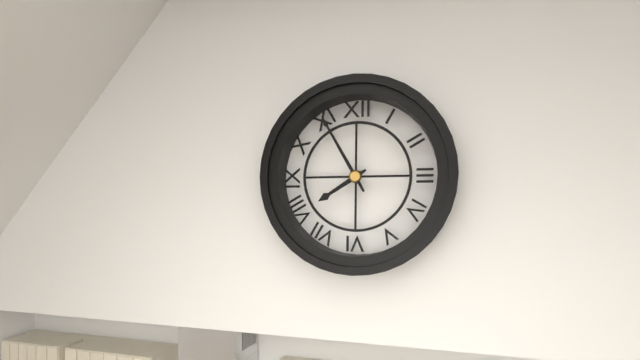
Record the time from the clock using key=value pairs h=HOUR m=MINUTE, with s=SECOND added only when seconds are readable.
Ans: h=7 m=55
